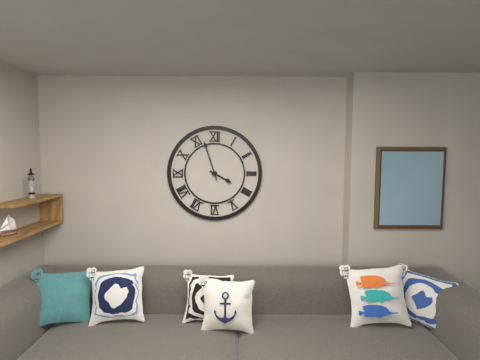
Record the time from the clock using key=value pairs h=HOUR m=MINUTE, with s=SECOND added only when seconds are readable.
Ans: h=3 m=57
